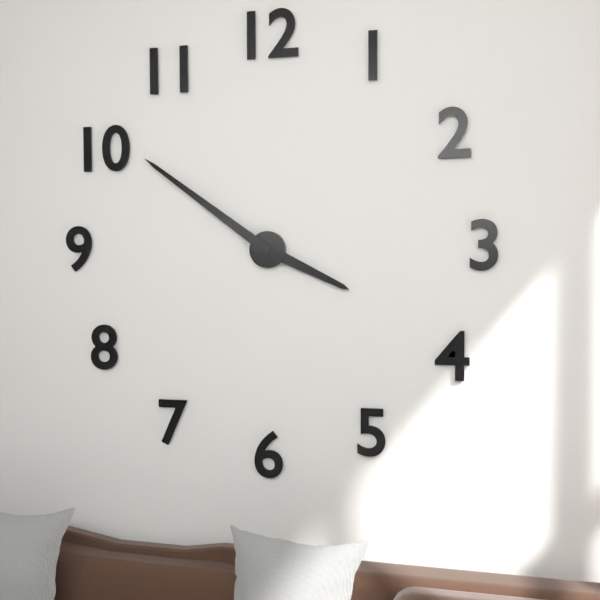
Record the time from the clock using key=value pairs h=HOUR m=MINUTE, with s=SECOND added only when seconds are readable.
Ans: h=3 m=51
